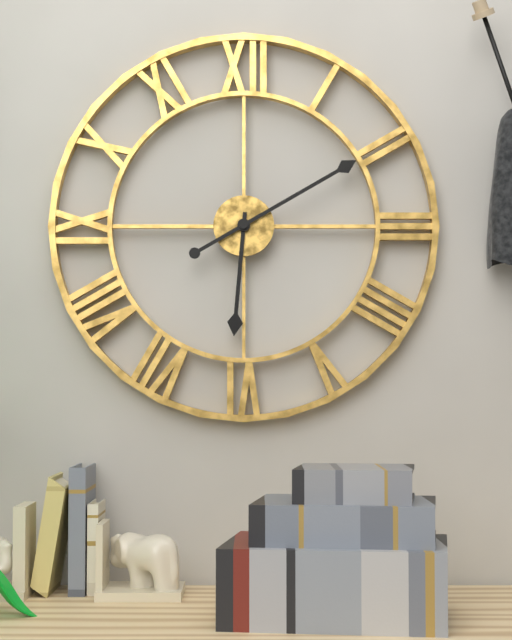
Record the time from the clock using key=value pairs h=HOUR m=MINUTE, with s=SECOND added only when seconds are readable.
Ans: h=6 m=10
